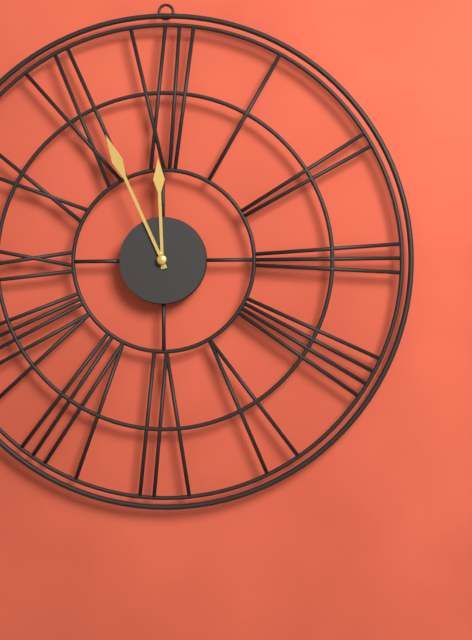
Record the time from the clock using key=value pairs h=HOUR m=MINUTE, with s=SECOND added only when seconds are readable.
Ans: h=11 m=56
